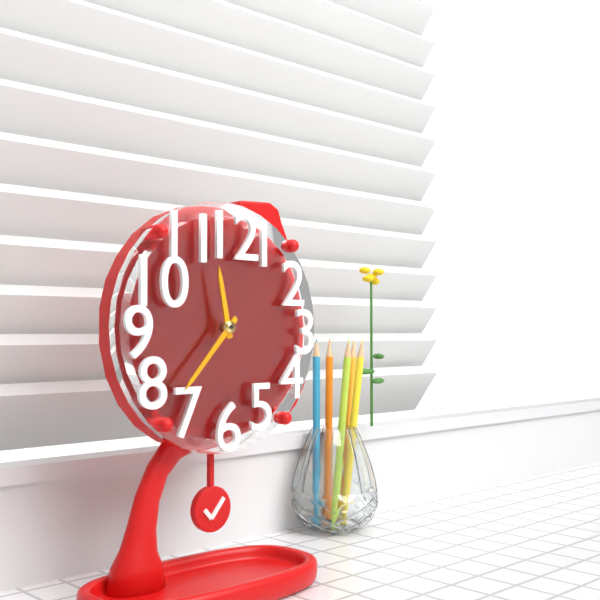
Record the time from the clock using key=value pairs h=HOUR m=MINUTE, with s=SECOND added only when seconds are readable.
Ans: h=11 m=37
